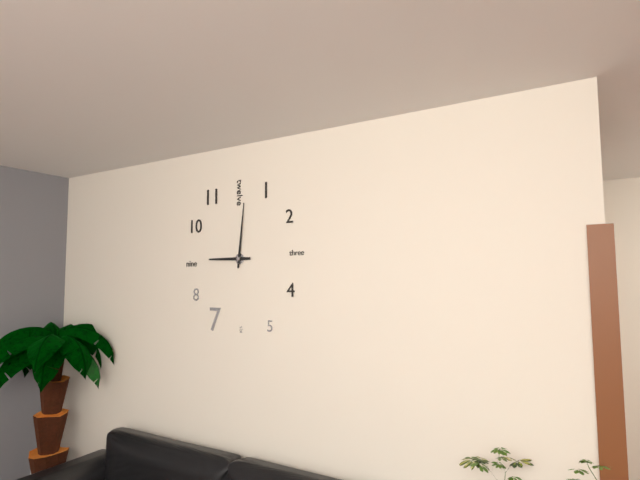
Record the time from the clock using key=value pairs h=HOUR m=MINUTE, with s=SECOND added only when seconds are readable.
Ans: h=9 m=1
